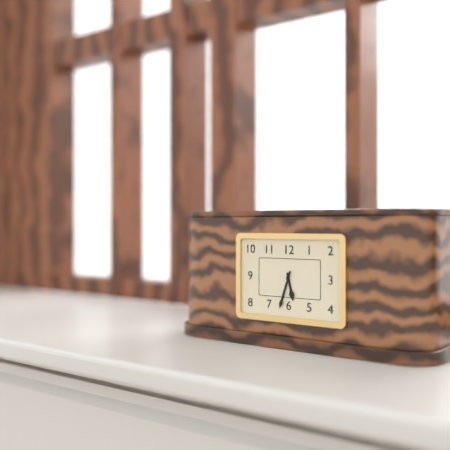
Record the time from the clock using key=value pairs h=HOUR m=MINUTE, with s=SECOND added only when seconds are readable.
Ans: h=5 m=33
